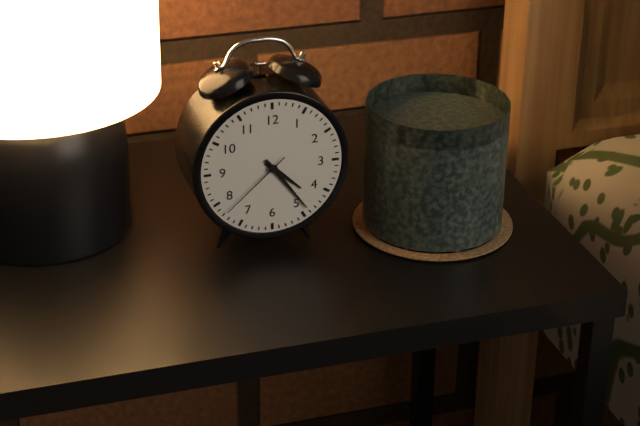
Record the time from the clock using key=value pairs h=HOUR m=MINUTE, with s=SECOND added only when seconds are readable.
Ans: h=4 m=24 s=38
